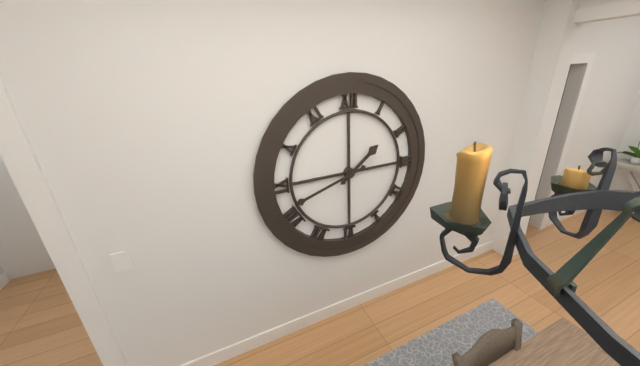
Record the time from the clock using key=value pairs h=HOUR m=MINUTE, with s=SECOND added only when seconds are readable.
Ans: h=1 m=42
